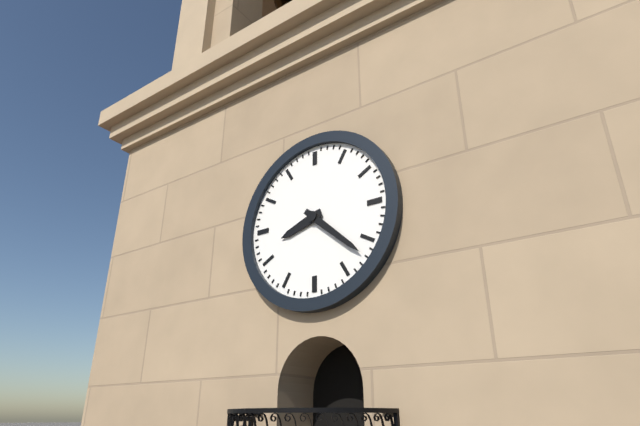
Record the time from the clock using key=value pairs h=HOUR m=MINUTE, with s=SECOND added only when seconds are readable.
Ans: h=8 m=22
